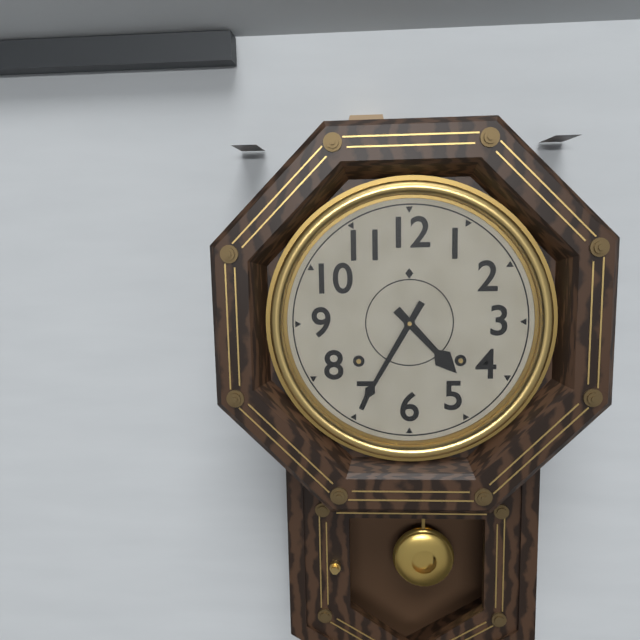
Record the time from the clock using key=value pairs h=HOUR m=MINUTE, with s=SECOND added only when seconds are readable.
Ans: h=4 m=35
